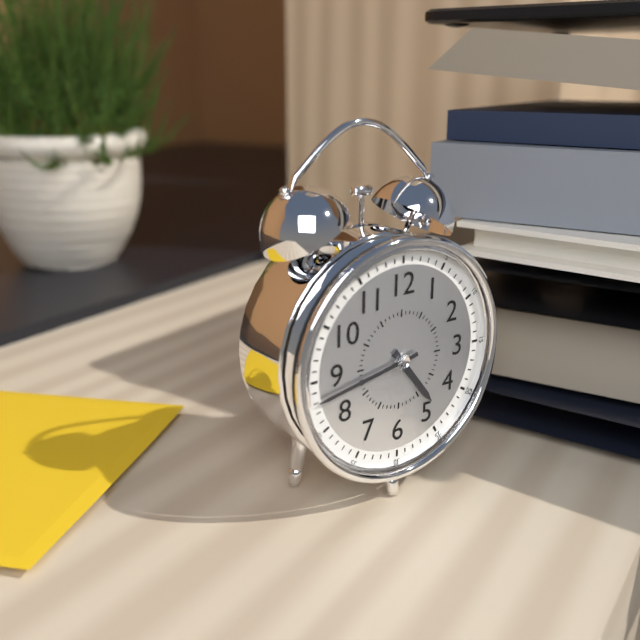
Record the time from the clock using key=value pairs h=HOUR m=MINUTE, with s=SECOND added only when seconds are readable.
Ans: h=4 m=43
